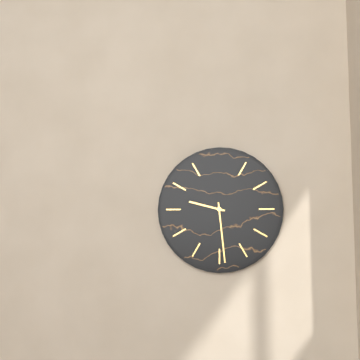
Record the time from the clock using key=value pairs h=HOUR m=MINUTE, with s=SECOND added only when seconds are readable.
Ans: h=9 m=29
